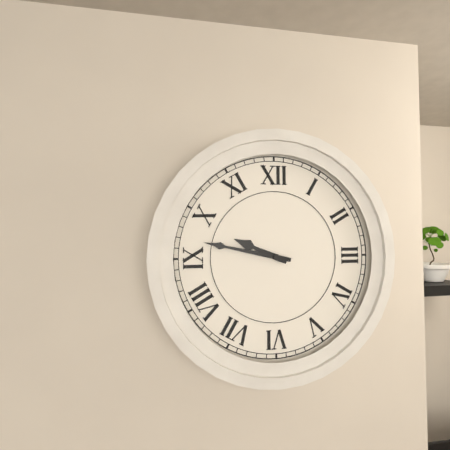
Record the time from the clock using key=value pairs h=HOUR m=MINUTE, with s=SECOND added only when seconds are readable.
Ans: h=9 m=47
